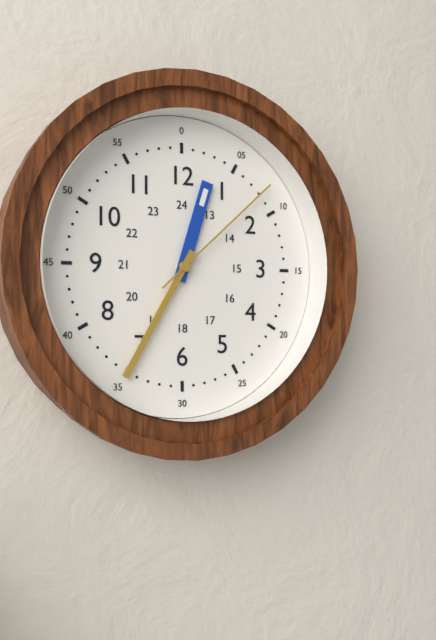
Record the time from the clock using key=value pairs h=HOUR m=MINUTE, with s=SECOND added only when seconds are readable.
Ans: h=12 m=35 s=8
